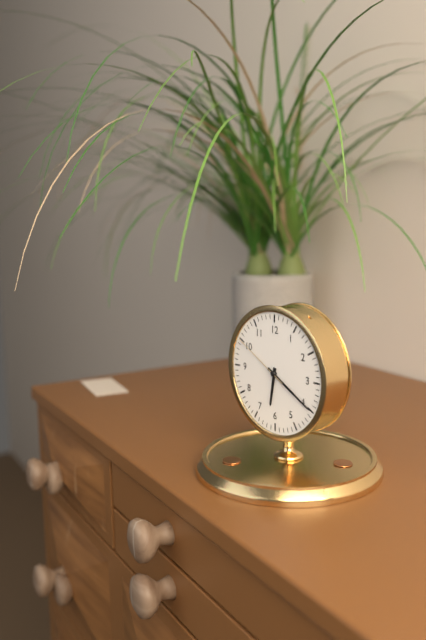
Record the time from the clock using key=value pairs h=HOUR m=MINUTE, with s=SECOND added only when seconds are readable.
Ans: h=6 m=20 s=50
